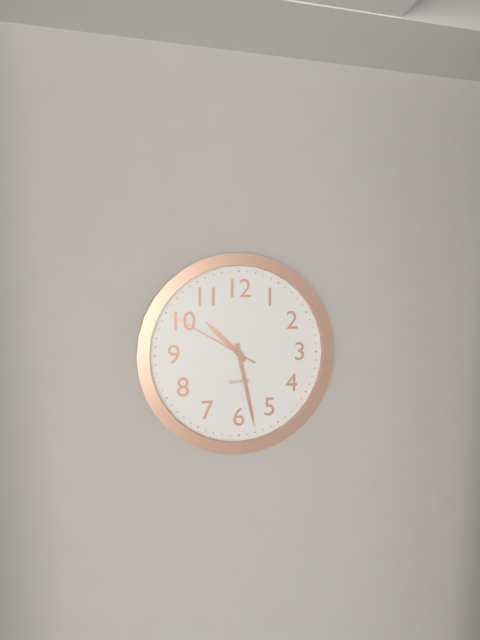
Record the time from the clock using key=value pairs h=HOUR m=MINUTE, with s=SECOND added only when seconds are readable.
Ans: h=10 m=28 s=50
